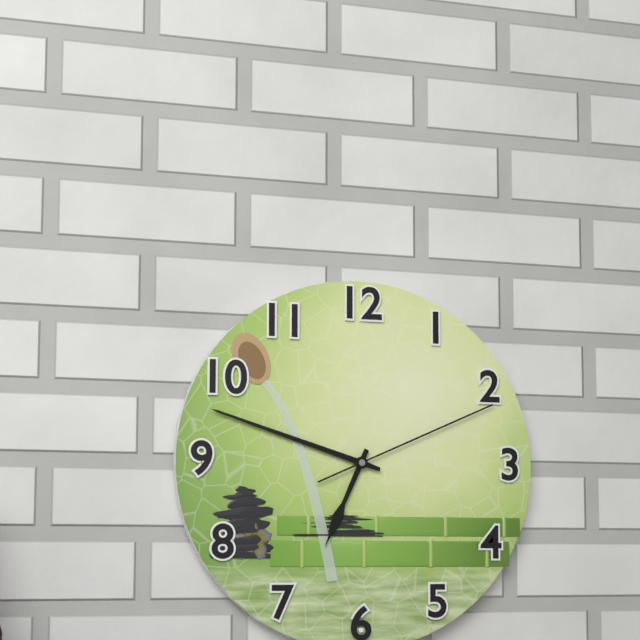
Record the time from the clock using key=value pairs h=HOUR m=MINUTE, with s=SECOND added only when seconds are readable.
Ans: h=6 m=48 s=11
